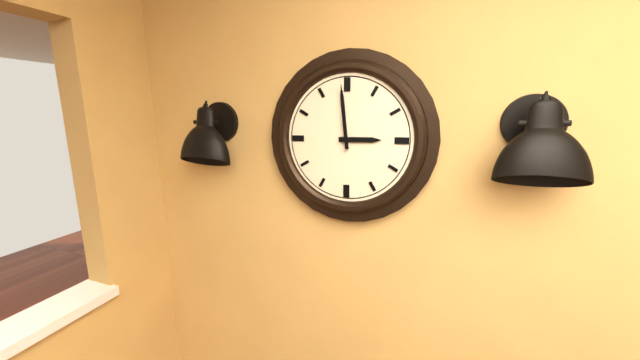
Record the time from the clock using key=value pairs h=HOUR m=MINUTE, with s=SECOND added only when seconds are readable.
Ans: h=2 m=59
